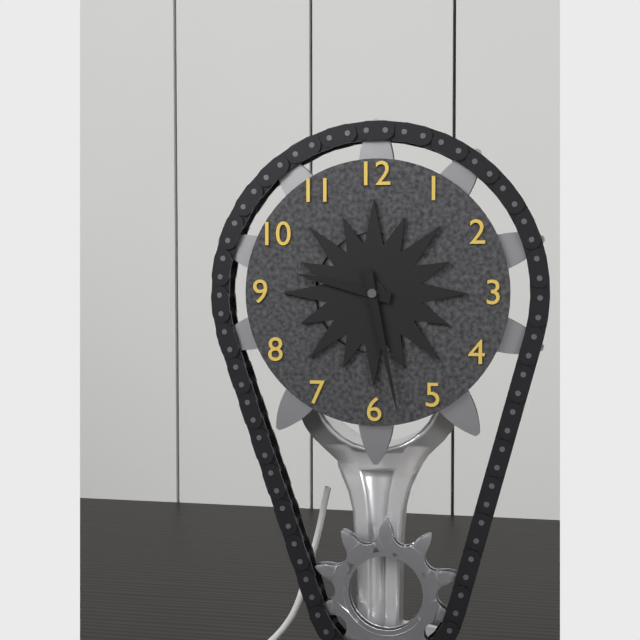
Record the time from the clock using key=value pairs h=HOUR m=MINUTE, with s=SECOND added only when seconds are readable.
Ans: h=9 m=28
